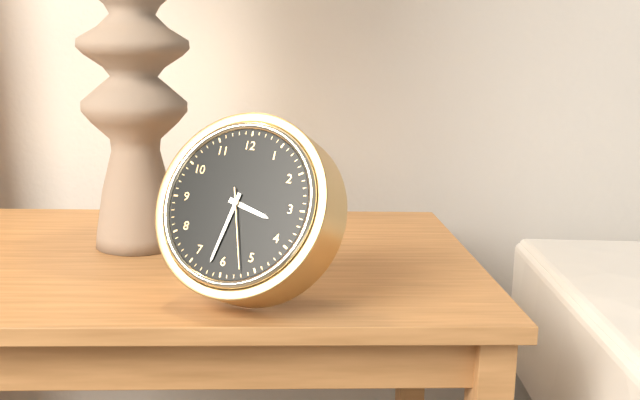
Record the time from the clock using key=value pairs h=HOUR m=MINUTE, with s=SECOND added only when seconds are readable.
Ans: h=3 m=32 s=27
